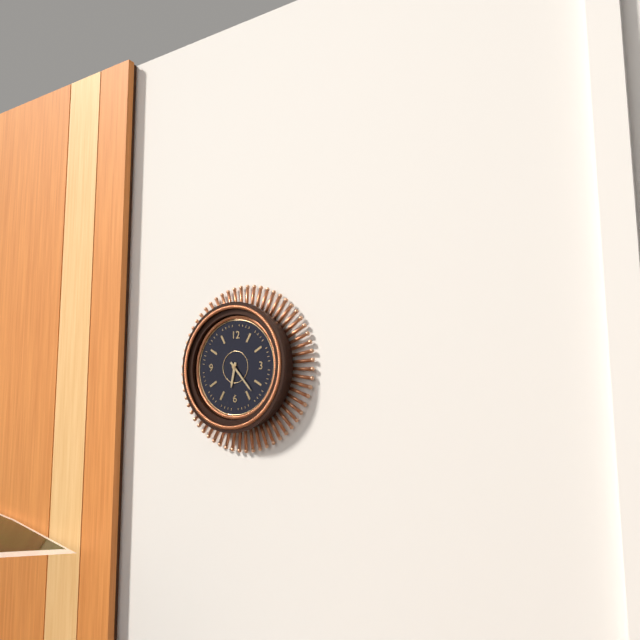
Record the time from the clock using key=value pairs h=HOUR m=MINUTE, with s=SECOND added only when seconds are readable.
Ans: h=6 m=23
